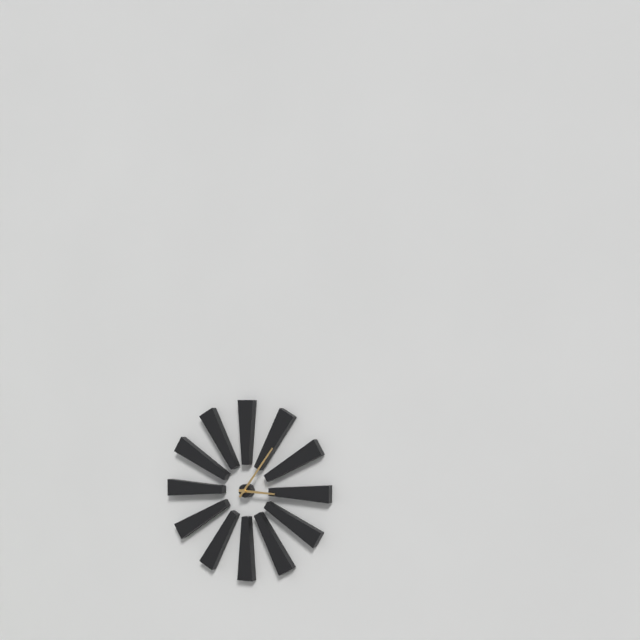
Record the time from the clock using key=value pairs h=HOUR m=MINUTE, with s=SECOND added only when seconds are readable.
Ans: h=3 m=6
